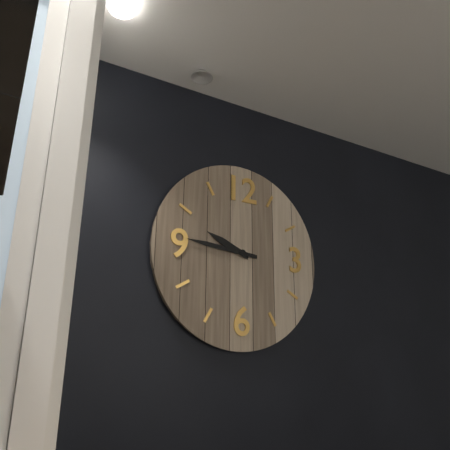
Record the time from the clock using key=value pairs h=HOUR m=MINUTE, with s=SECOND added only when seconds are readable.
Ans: h=9 m=46
